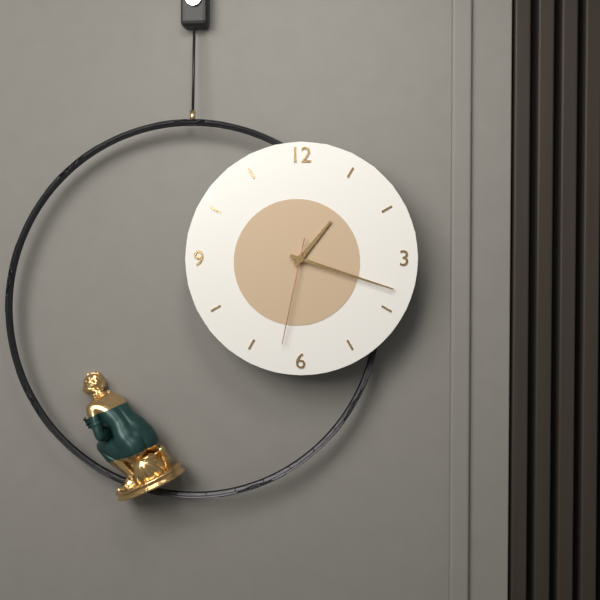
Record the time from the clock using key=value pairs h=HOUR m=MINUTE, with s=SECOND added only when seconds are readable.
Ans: h=1 m=18 s=32
